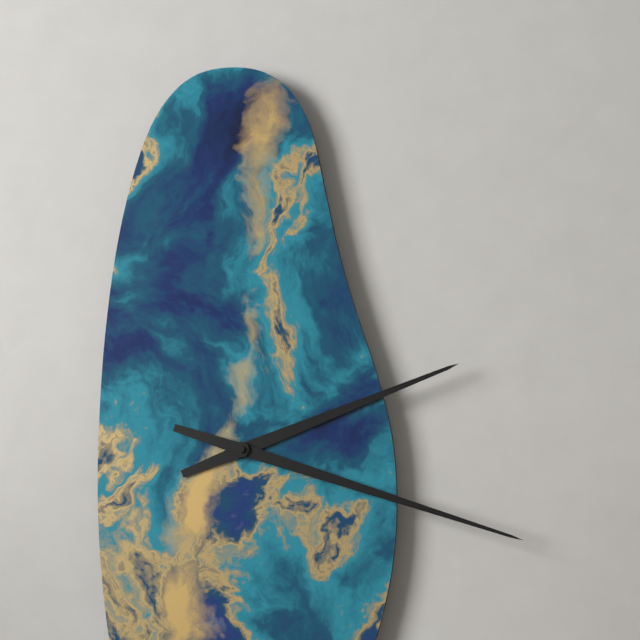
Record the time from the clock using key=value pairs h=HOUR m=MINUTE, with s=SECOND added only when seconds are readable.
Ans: h=2 m=18
